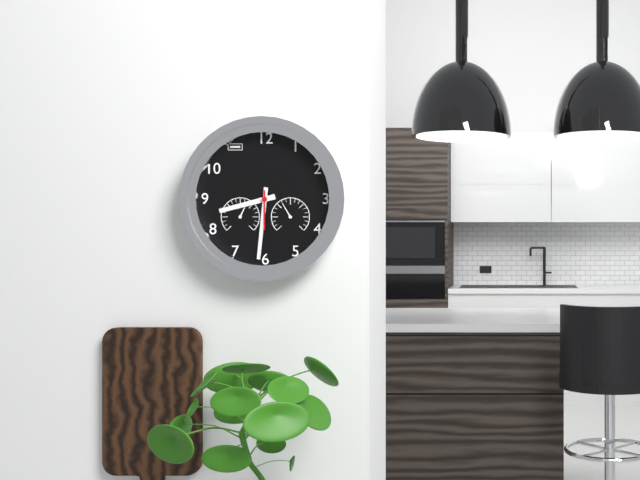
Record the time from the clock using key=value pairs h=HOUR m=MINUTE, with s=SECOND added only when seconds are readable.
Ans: h=8 m=31
